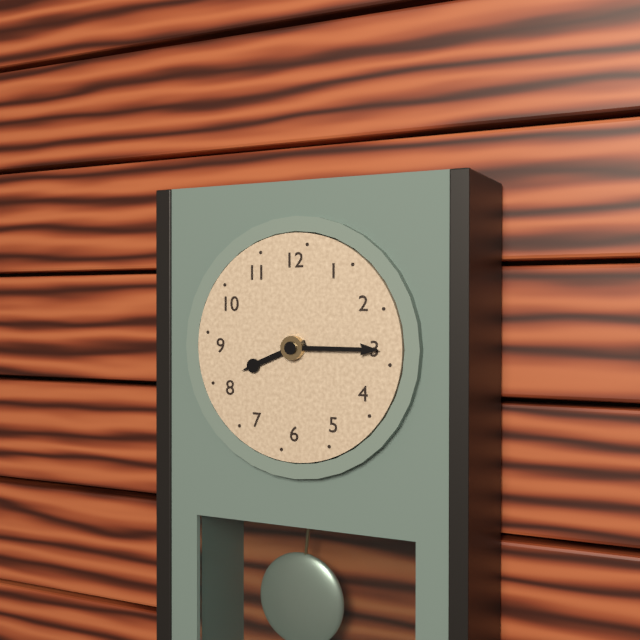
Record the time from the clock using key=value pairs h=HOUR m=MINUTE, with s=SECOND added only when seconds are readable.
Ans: h=8 m=15
